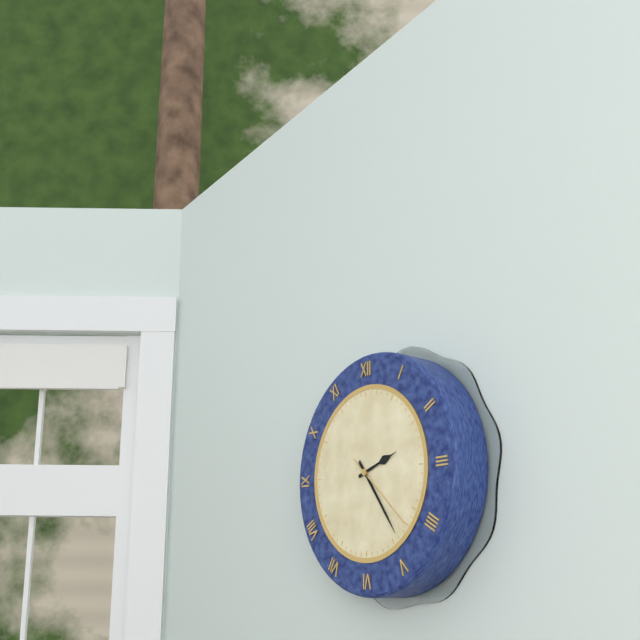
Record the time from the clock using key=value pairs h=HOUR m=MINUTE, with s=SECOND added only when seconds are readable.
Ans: h=2 m=24 s=22
